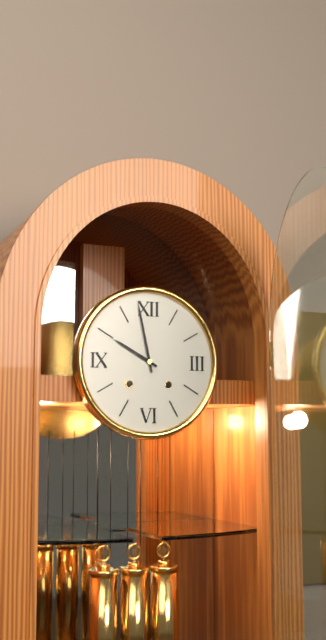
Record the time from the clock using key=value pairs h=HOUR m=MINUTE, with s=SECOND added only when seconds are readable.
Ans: h=9 m=58
